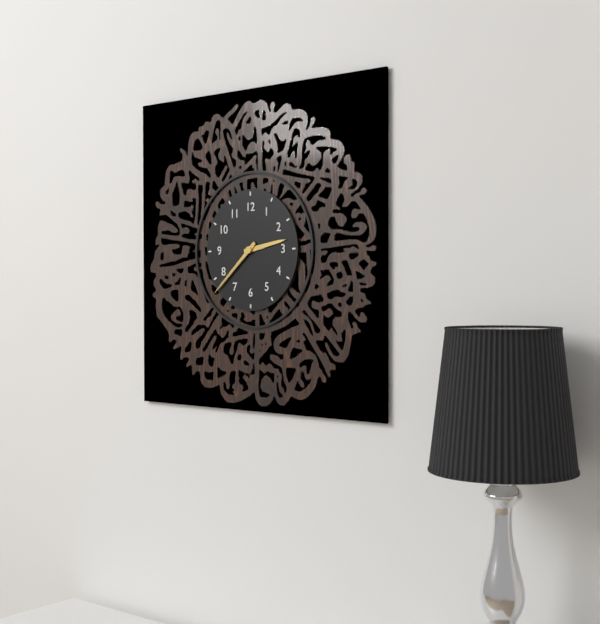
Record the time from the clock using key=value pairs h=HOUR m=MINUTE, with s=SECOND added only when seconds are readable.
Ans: h=2 m=38
